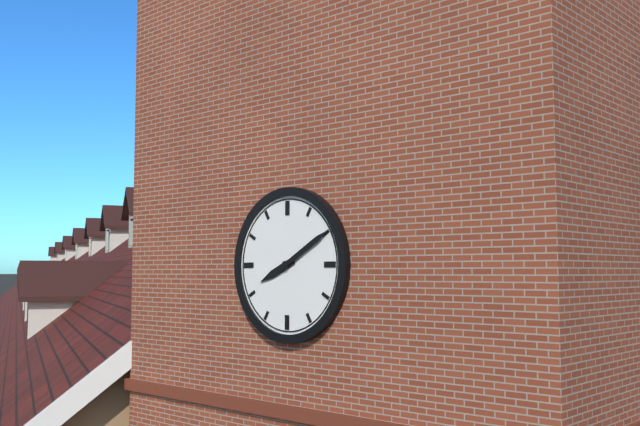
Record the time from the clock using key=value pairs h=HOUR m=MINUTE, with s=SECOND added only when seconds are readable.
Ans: h=8 m=10
